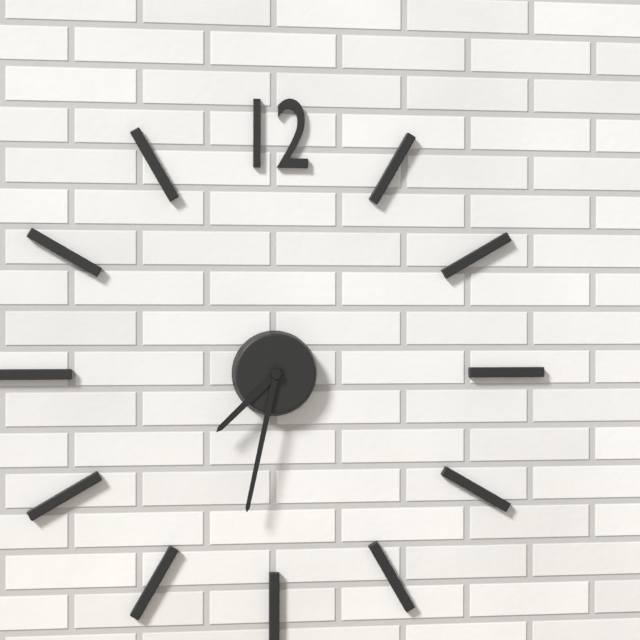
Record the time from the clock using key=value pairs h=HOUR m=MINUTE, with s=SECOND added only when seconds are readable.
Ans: h=7 m=32
